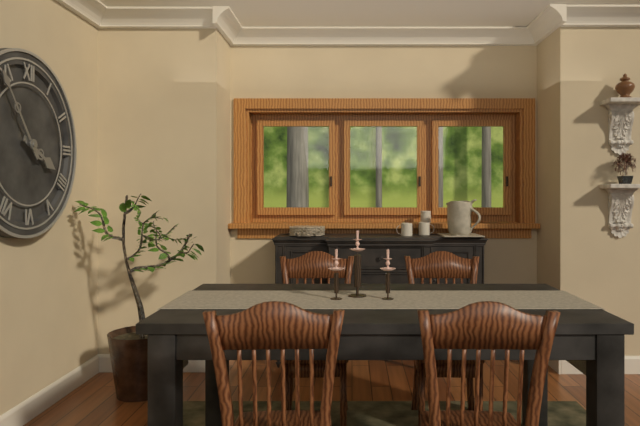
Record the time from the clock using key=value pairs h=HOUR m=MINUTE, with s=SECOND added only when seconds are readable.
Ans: h=3 m=54
